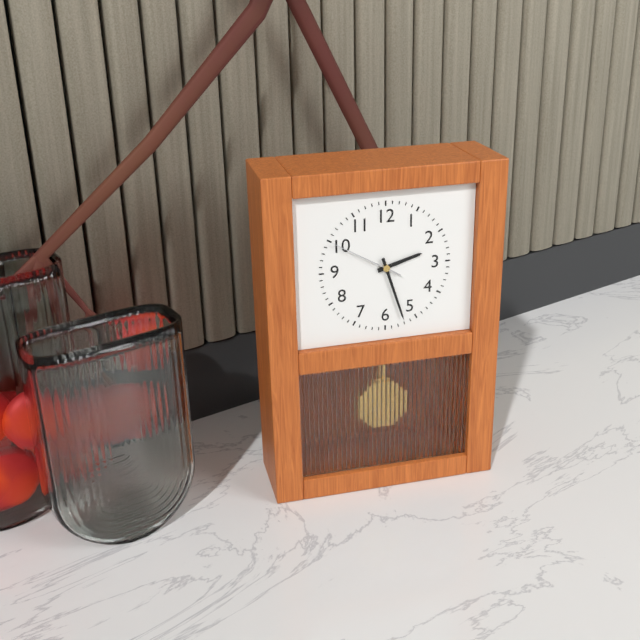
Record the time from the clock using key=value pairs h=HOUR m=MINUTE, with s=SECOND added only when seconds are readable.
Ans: h=2 m=27 s=50
